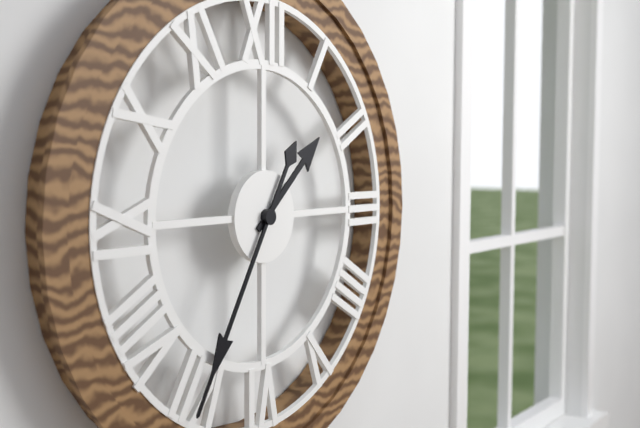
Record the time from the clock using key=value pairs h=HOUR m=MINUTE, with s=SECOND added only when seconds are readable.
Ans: h=1 m=35
